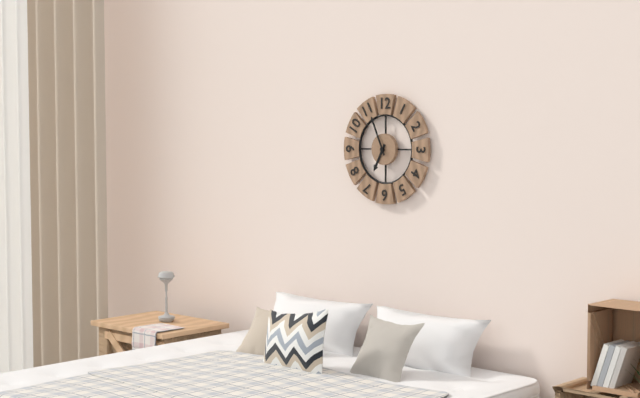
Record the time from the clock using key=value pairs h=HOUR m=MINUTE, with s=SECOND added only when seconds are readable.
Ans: h=6 m=56
